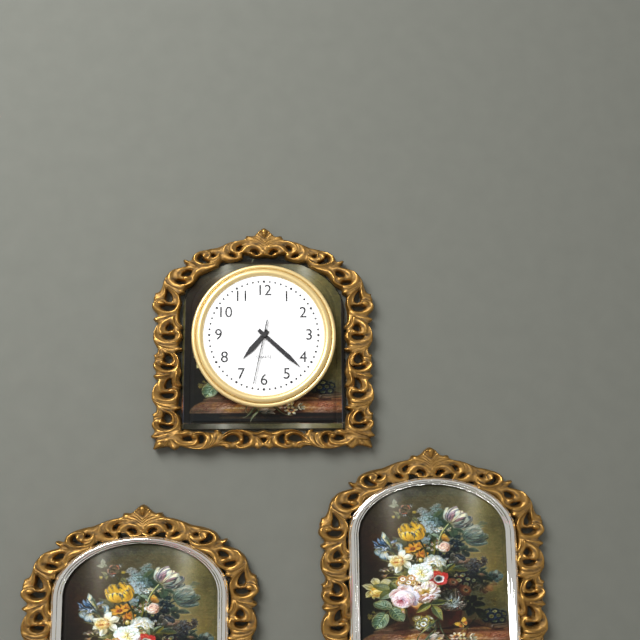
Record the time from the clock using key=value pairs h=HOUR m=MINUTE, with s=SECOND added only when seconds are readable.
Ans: h=7 m=22 s=32
